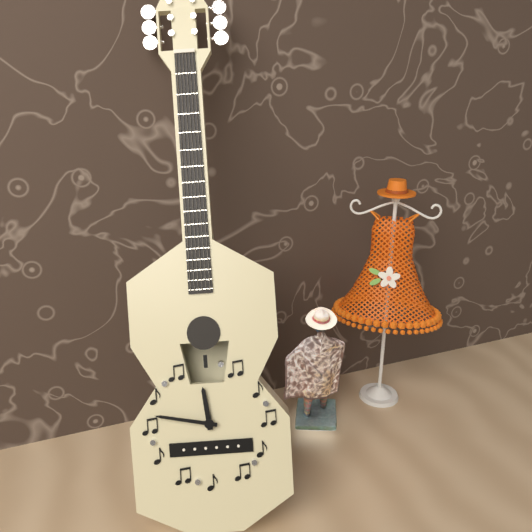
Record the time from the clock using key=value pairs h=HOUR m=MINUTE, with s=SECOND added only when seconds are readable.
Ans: h=11 m=47
